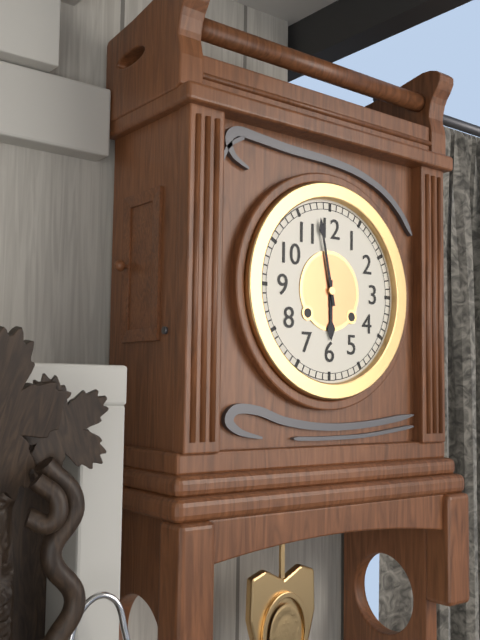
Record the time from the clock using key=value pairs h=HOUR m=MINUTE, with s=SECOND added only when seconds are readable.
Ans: h=5 m=58
